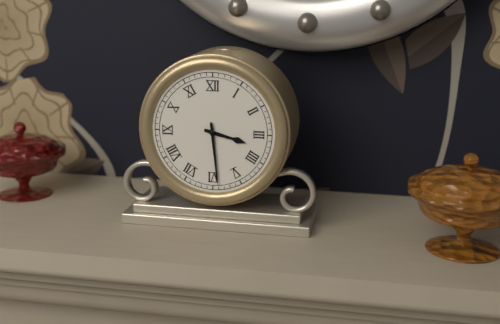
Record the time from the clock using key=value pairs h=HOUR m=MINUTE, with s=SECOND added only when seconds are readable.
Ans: h=3 m=29
